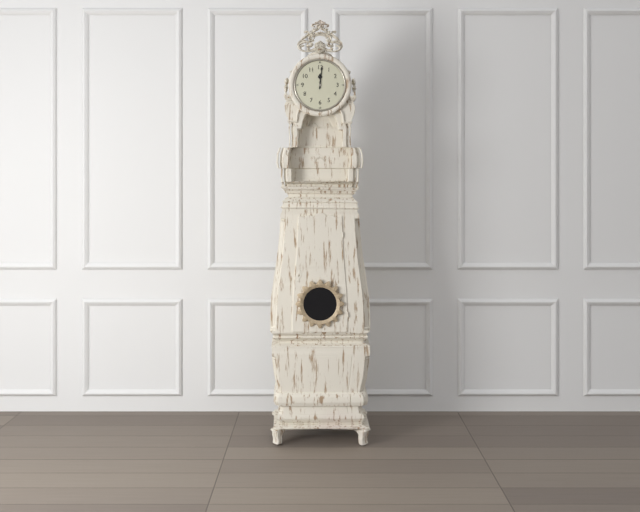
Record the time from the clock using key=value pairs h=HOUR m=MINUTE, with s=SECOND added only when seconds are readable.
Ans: h=12 m=1
